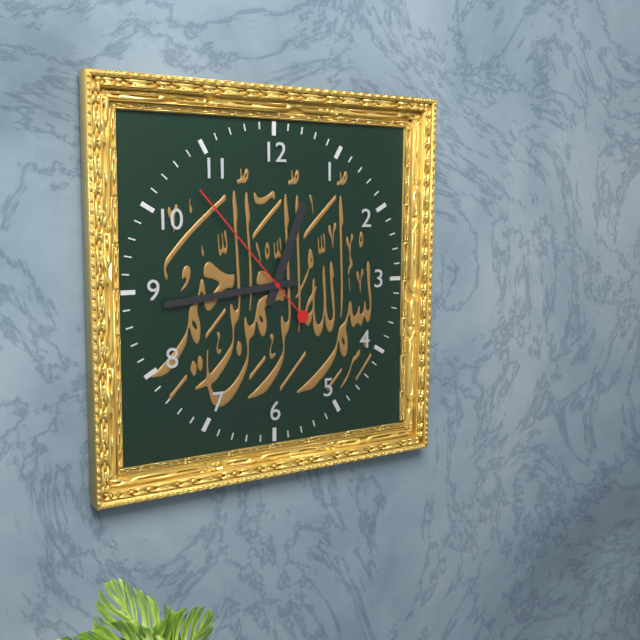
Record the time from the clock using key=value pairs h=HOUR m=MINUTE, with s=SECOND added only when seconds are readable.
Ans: h=12 m=44 s=53
